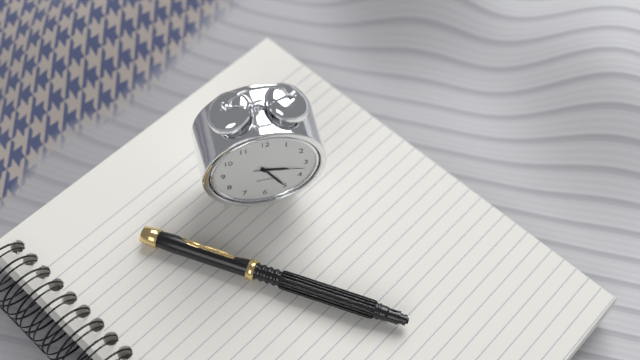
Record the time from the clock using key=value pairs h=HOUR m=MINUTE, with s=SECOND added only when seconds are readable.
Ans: h=3 m=25 s=17
